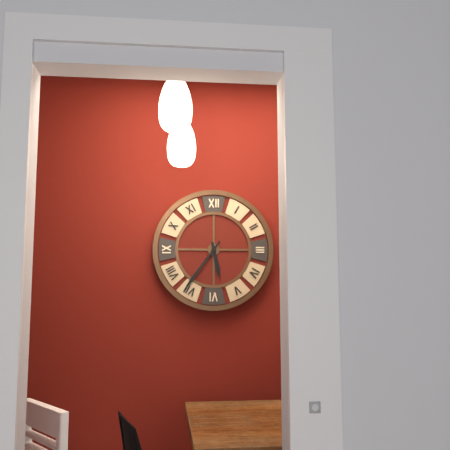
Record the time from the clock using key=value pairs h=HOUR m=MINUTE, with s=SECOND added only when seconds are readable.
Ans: h=5 m=36
